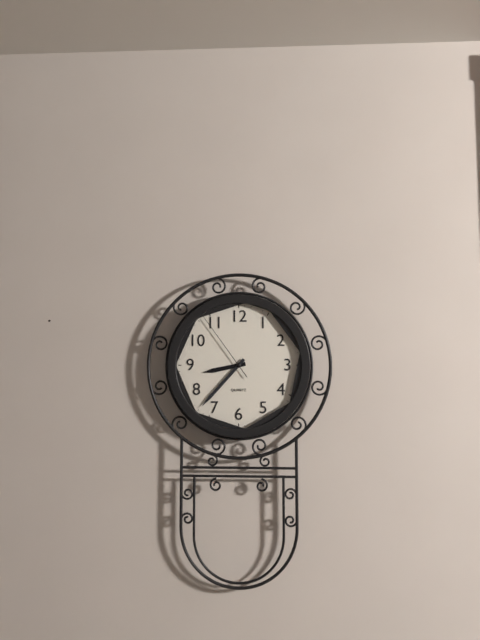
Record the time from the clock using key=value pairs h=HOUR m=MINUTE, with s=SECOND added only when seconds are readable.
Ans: h=8 m=37 s=54
